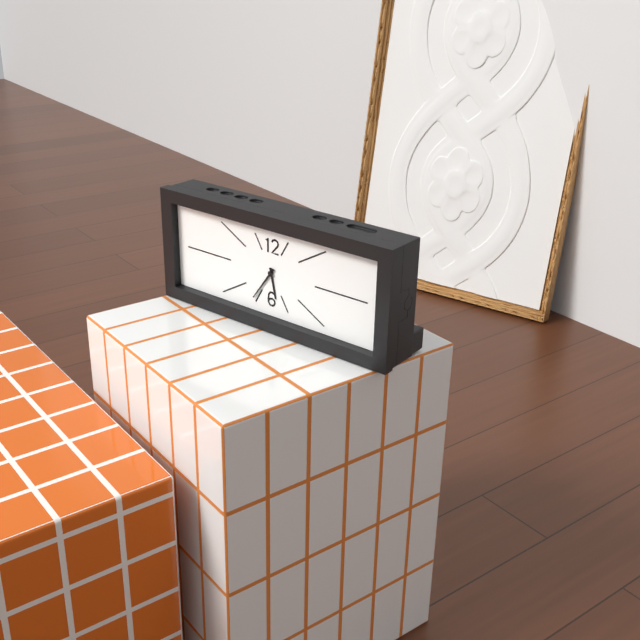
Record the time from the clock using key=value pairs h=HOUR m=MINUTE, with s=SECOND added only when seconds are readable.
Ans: h=5 m=36
